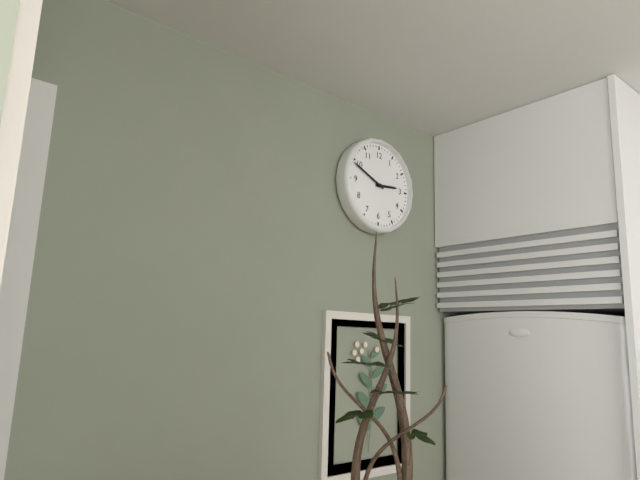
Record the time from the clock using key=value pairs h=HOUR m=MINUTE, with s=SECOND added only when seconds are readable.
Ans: h=2 m=49
